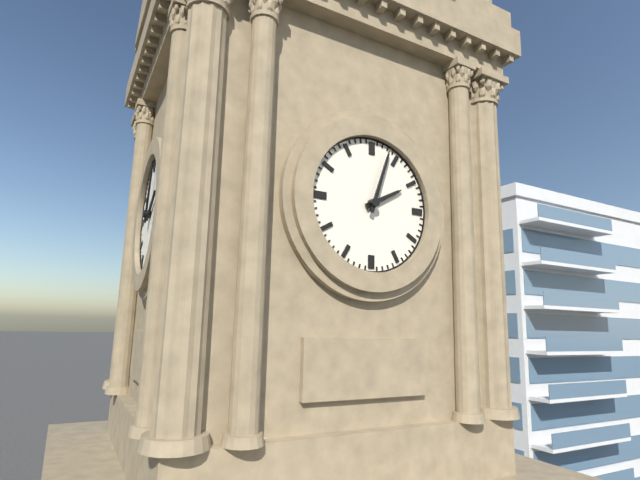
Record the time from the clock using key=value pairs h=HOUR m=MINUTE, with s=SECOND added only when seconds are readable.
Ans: h=2 m=3
